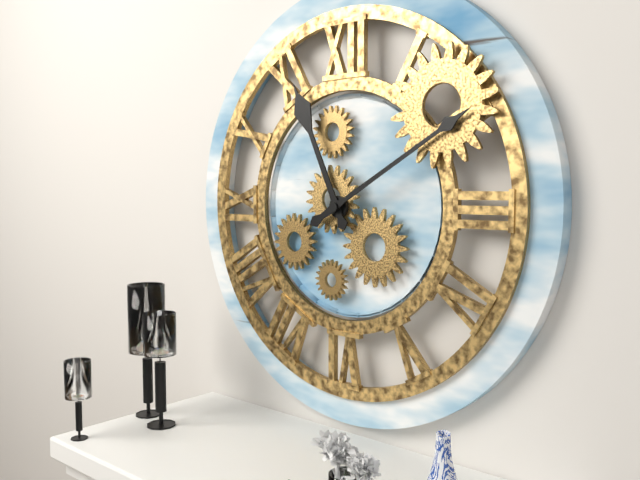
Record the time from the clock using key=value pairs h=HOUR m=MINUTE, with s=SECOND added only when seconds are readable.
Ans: h=11 m=10
